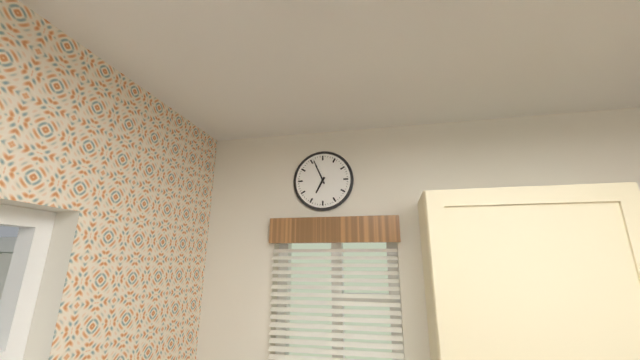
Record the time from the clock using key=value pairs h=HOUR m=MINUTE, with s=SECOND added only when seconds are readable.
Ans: h=6 m=56
